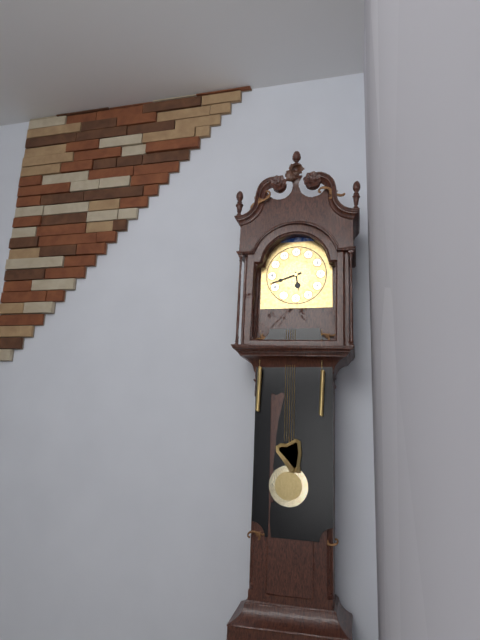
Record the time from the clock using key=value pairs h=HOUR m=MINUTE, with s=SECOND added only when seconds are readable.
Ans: h=5 m=42
